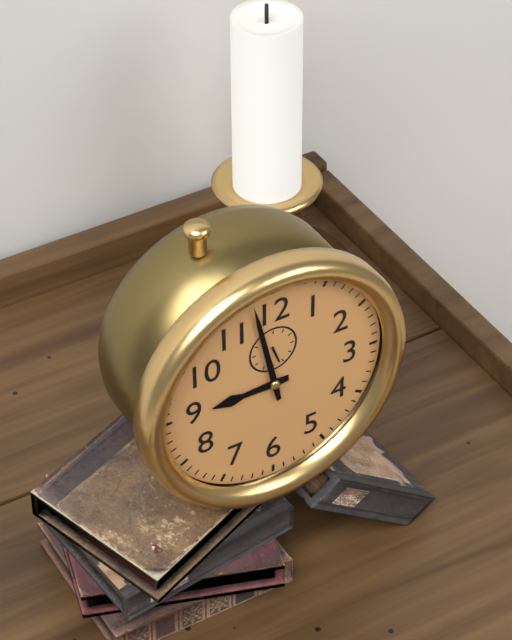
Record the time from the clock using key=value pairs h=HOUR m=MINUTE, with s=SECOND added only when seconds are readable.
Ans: h=8 m=58
